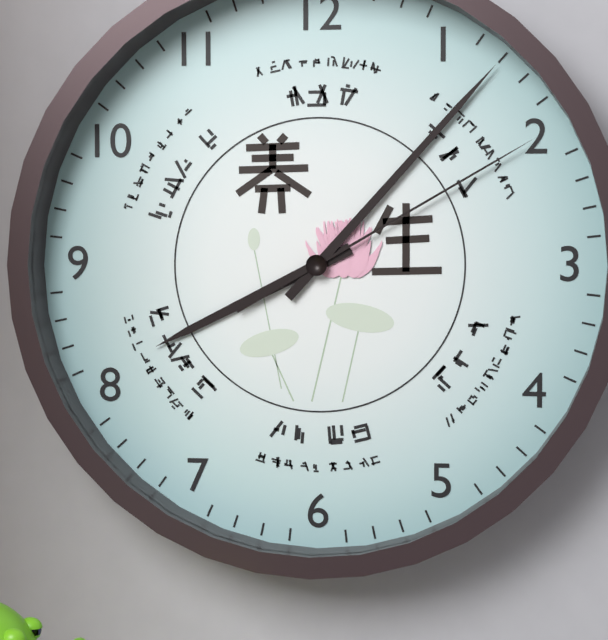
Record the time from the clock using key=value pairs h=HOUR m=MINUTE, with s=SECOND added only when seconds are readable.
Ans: h=8 m=7 s=10
